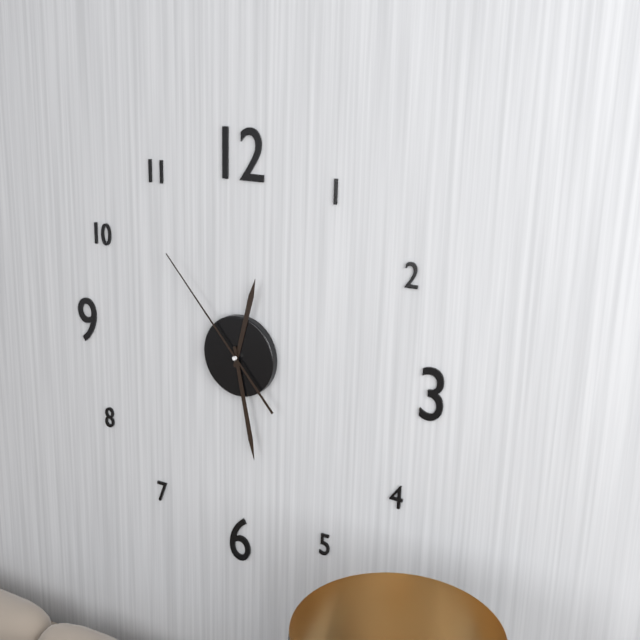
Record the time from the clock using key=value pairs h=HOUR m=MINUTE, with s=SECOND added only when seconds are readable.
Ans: h=12 m=28 s=53
